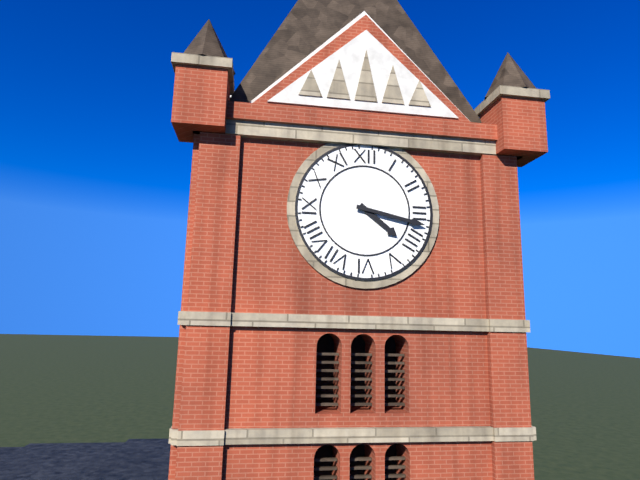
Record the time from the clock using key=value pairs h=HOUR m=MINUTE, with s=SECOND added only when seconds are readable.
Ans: h=4 m=17
